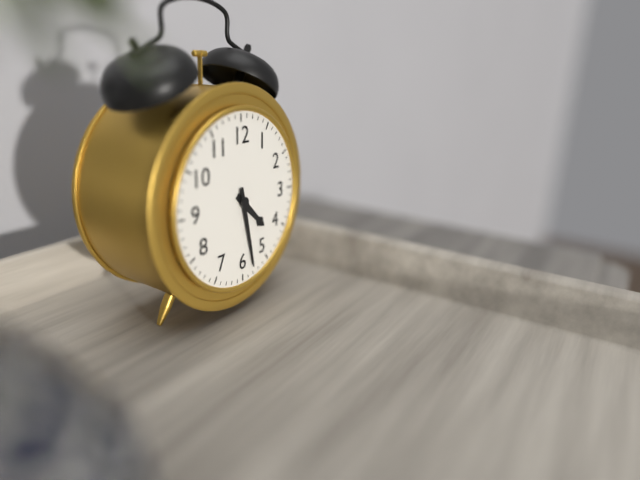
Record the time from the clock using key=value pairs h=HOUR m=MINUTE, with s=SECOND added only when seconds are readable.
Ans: h=4 m=28
